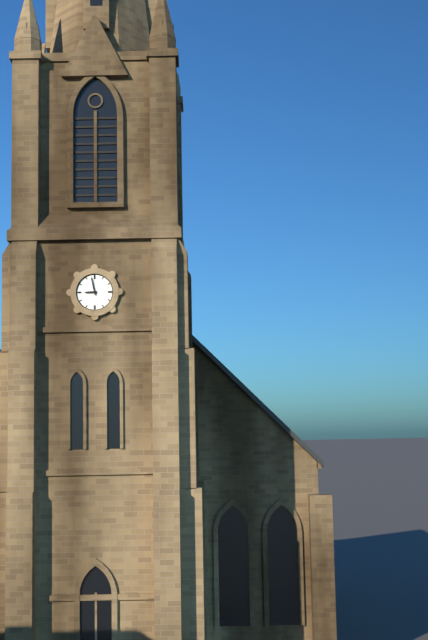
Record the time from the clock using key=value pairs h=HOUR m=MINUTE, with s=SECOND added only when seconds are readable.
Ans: h=8 m=58
